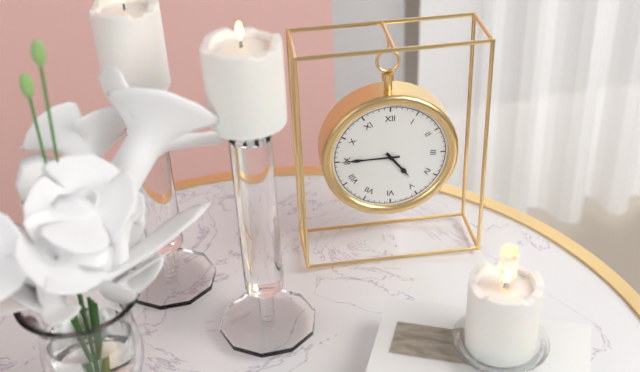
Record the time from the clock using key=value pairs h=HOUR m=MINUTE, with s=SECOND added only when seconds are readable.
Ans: h=4 m=45
